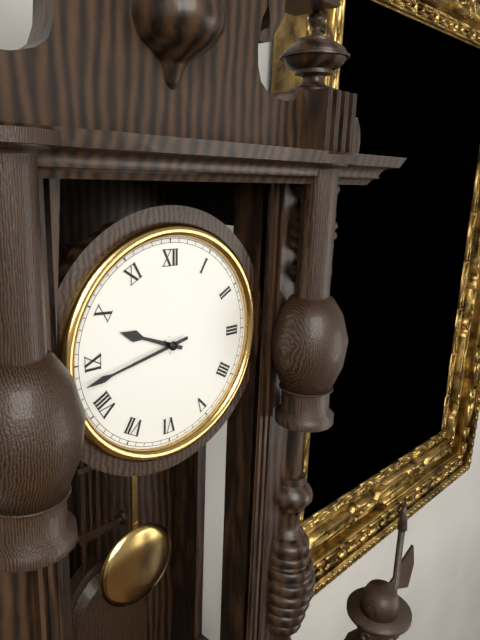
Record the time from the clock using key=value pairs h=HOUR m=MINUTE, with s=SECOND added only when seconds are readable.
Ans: h=9 m=43
